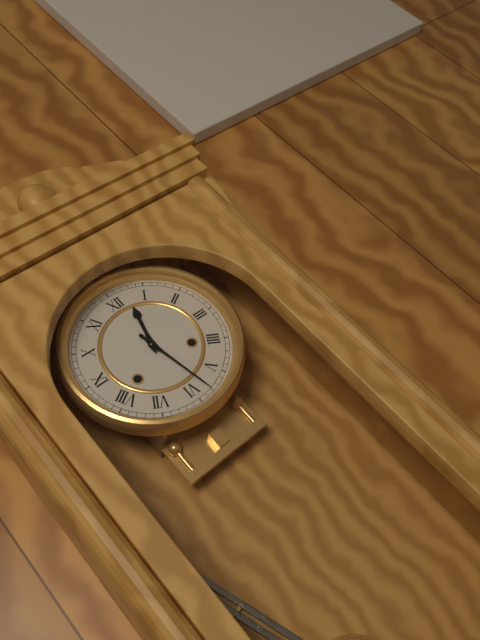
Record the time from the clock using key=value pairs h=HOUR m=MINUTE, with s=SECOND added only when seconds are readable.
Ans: h=12 m=28
